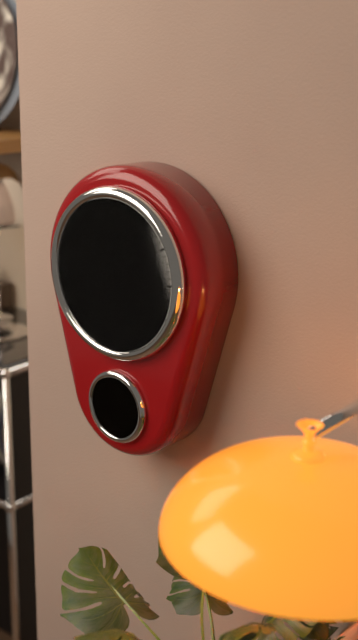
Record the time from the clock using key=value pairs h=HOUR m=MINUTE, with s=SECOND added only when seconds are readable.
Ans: h=10 m=21 s=6
